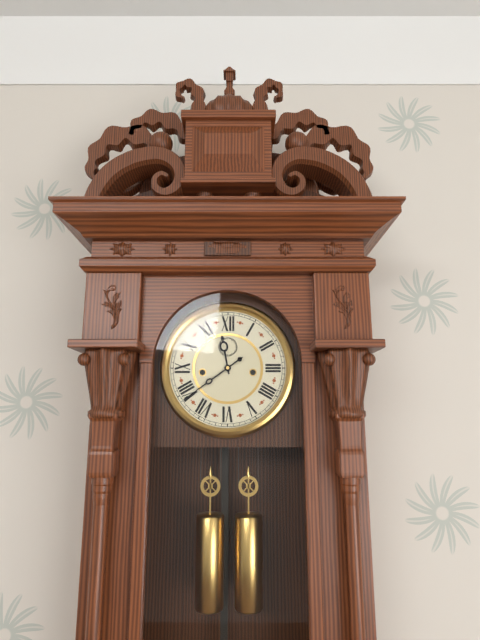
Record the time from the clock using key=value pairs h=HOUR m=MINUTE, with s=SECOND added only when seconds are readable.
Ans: h=11 m=39
